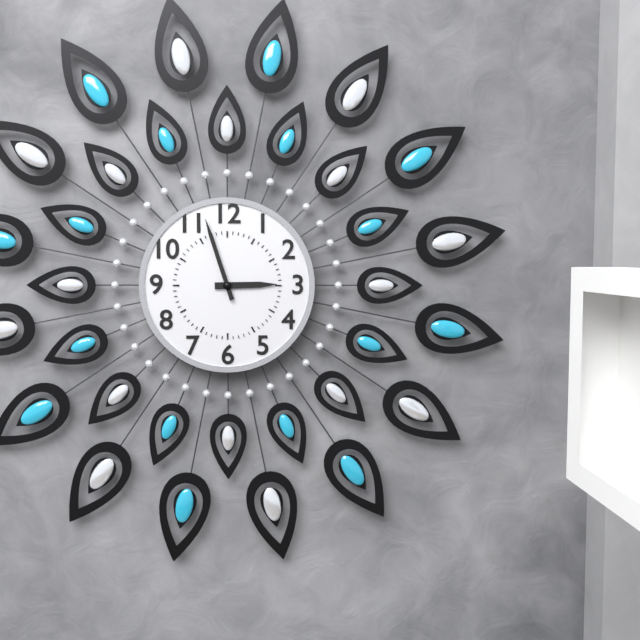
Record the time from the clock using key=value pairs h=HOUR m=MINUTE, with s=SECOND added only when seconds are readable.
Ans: h=2 m=57
